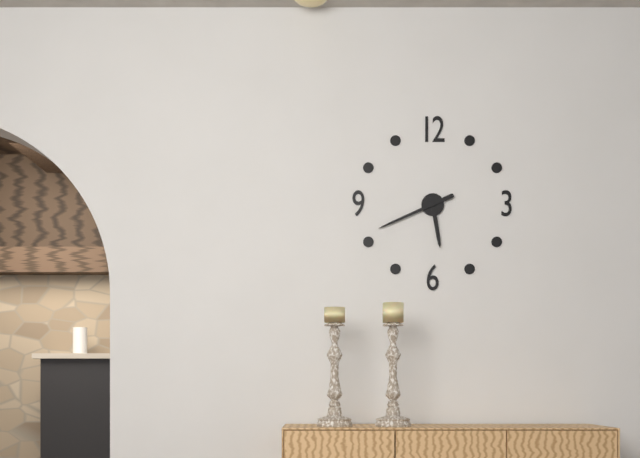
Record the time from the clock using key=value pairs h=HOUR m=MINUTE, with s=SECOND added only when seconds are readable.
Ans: h=5 m=41
